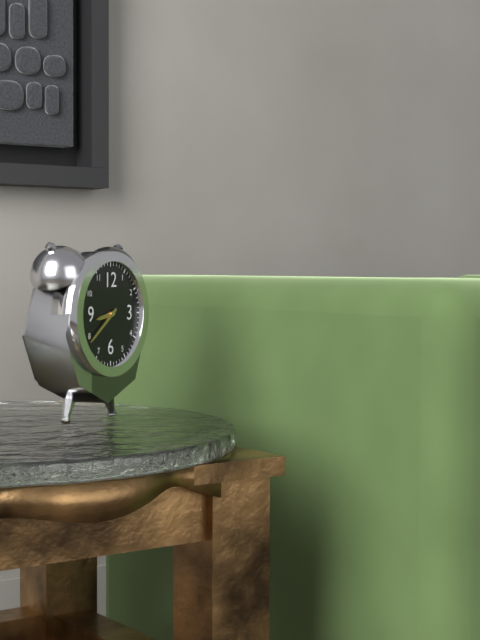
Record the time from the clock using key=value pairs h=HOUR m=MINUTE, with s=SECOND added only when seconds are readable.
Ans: h=8 m=39
